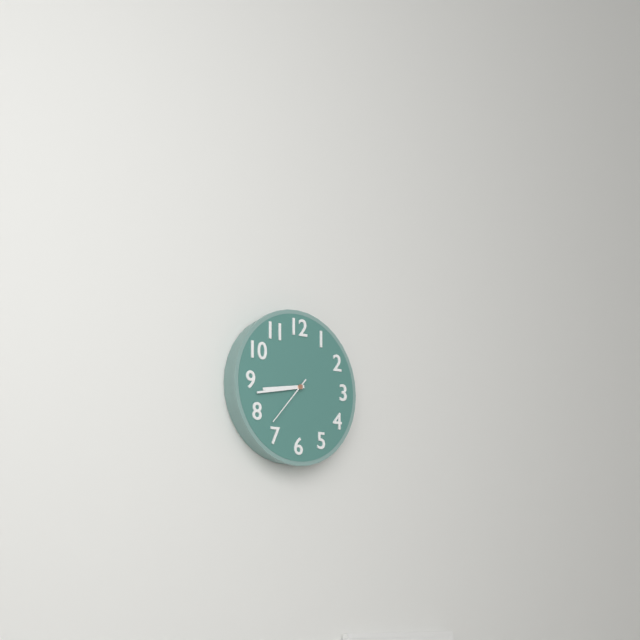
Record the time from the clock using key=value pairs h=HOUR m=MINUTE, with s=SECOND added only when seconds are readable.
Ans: h=8 m=43 s=37
